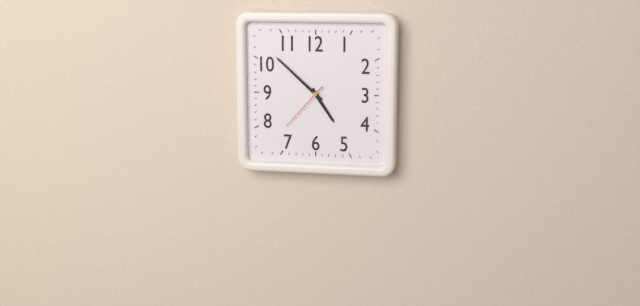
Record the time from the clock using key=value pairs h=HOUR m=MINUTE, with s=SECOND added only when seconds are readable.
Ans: h=4 m=52 s=37
